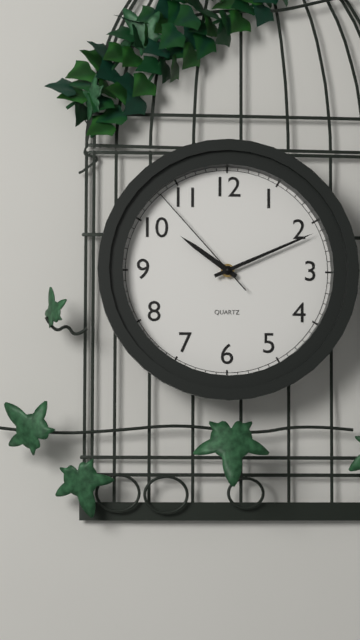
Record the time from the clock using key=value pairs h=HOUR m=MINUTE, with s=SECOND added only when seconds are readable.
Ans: h=10 m=11 s=53
